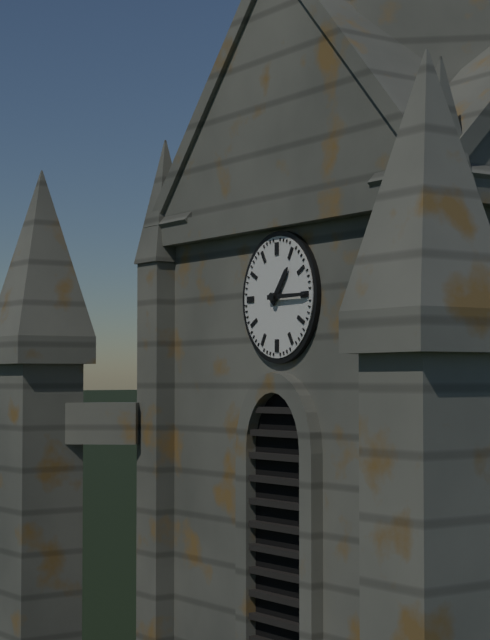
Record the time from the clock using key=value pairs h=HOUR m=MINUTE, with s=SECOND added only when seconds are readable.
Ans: h=1 m=15
